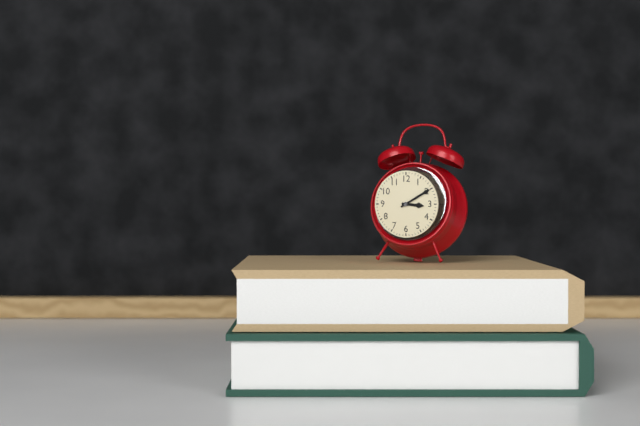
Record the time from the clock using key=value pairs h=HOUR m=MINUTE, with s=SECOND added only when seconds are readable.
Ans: h=3 m=10
